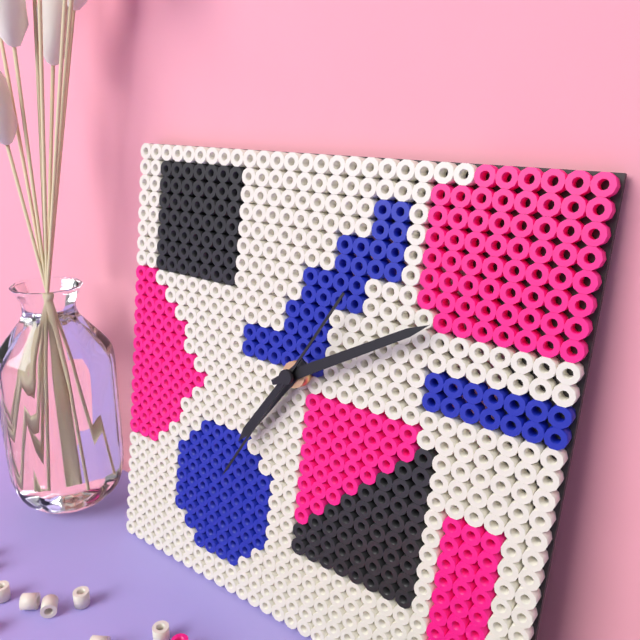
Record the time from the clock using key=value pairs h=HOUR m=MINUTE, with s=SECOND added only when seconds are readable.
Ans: h=7 m=10 s=35
